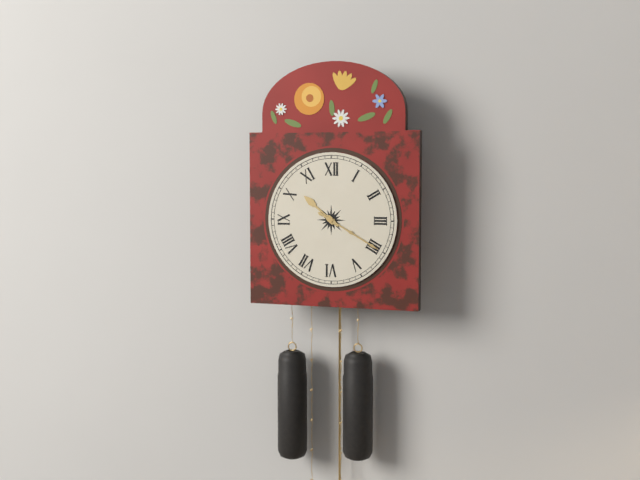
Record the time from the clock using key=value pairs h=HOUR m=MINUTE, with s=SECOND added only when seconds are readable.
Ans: h=10 m=20
